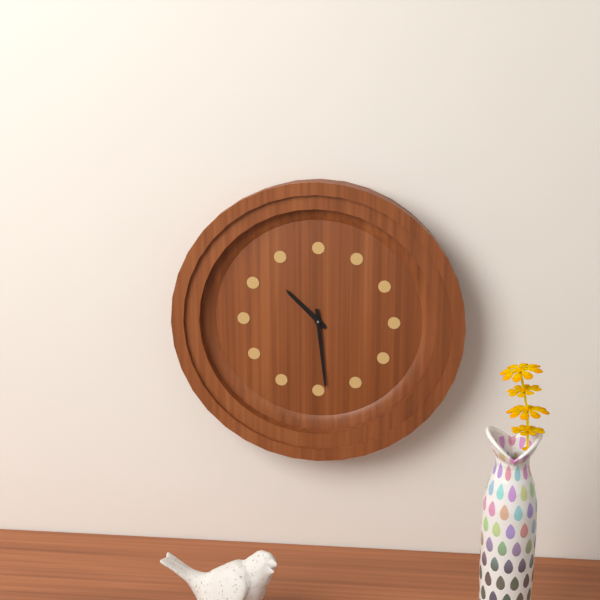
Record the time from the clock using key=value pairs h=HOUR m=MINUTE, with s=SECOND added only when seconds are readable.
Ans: h=10 m=29
